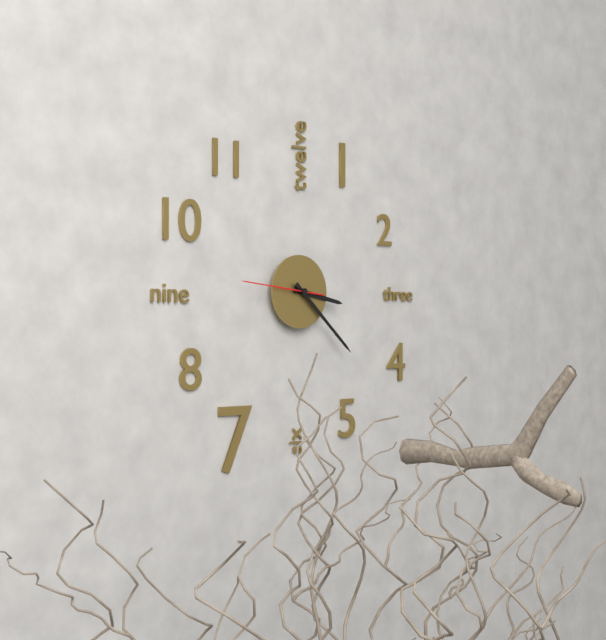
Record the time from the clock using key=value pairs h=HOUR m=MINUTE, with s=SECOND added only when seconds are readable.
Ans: h=3 m=22 s=46
